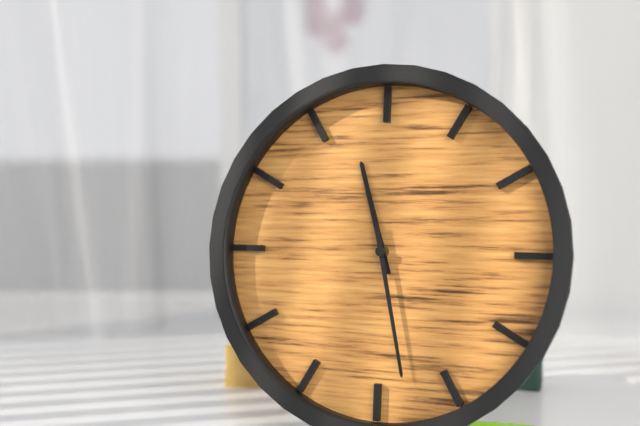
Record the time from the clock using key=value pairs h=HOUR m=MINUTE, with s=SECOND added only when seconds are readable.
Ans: h=11 m=28
